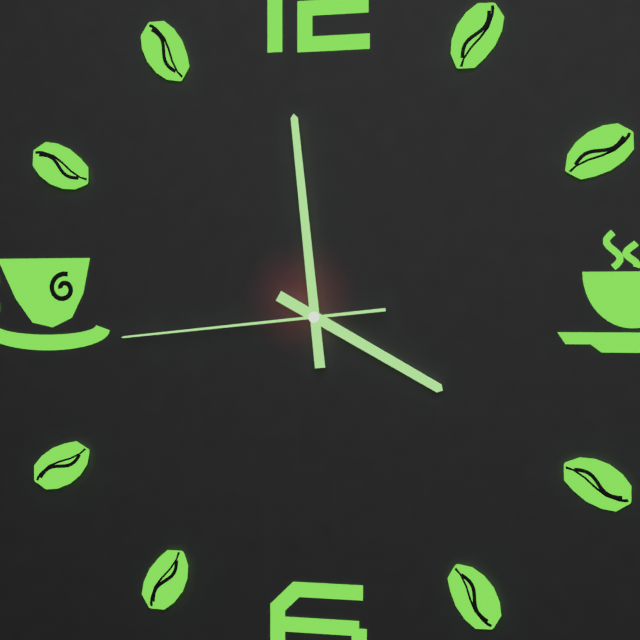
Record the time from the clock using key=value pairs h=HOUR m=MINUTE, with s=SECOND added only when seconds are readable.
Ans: h=3 m=59 s=44
